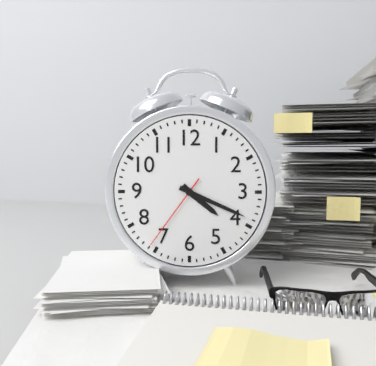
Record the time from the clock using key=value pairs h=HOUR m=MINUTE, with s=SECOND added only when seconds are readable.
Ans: h=4 m=19 s=36
